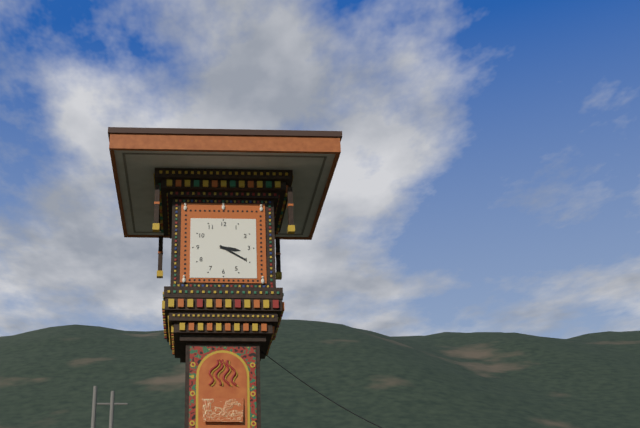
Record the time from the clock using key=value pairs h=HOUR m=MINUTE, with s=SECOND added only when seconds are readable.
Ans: h=3 m=20
